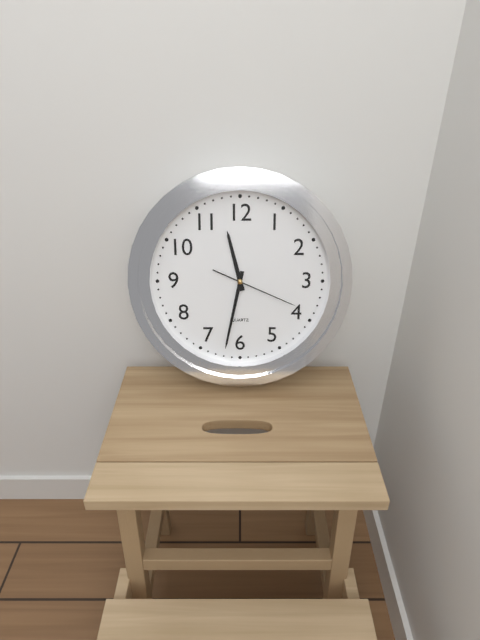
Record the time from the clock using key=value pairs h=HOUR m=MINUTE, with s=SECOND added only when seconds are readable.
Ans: h=11 m=32 s=19
